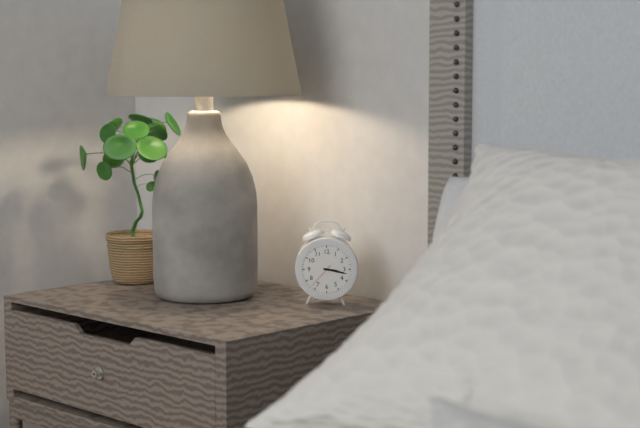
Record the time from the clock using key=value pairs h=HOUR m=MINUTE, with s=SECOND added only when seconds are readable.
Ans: h=3 m=17
